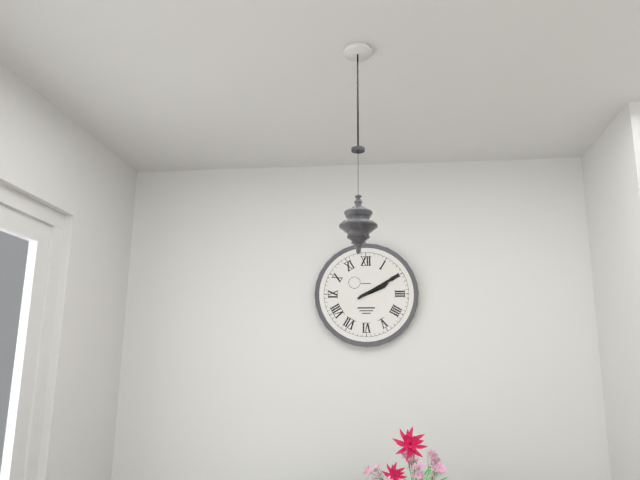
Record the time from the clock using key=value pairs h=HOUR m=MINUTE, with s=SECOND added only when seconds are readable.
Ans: h=2 m=10
